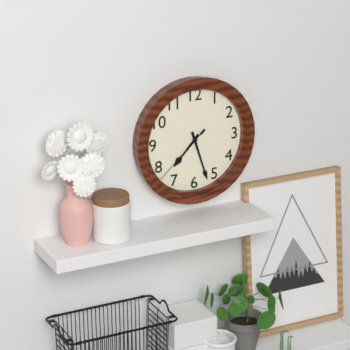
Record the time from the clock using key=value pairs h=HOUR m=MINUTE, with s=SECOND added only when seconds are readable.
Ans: h=7 m=27 s=38
